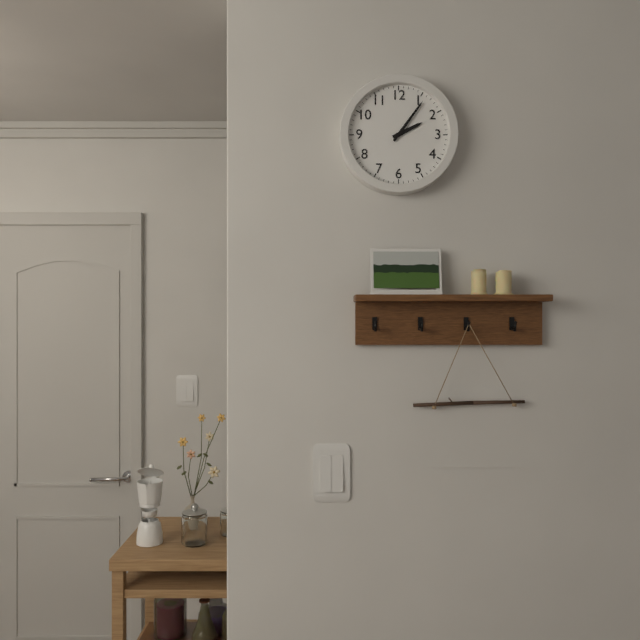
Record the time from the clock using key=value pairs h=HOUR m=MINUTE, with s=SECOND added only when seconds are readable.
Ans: h=2 m=6
